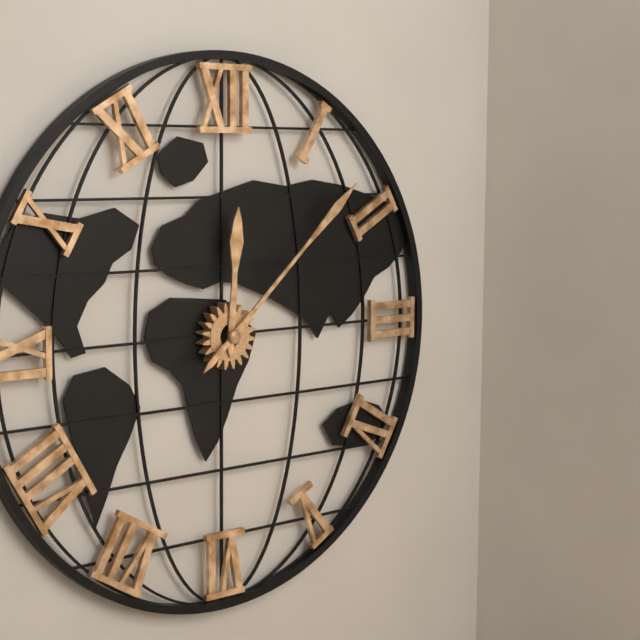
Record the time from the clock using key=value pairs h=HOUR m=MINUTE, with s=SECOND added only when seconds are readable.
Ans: h=12 m=8
